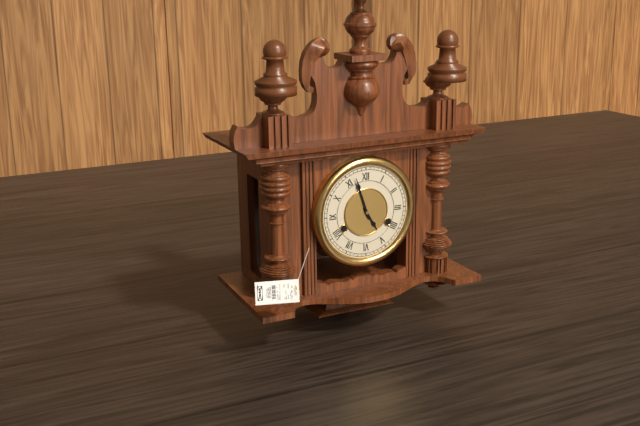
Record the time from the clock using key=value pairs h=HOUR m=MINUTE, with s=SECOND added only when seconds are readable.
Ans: h=4 m=57
